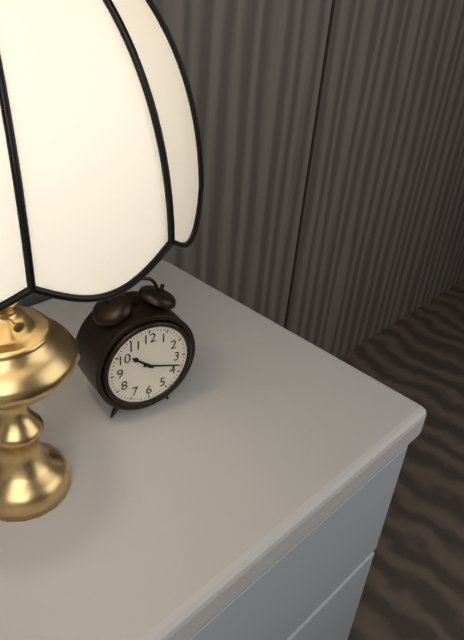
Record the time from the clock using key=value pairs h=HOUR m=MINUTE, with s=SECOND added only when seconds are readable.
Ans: h=10 m=18
